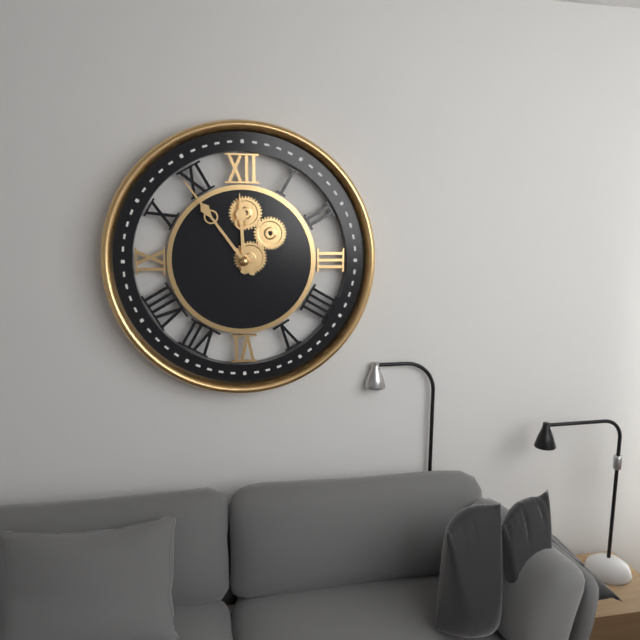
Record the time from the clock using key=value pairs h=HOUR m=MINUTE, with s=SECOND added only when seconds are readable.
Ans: h=11 m=54
